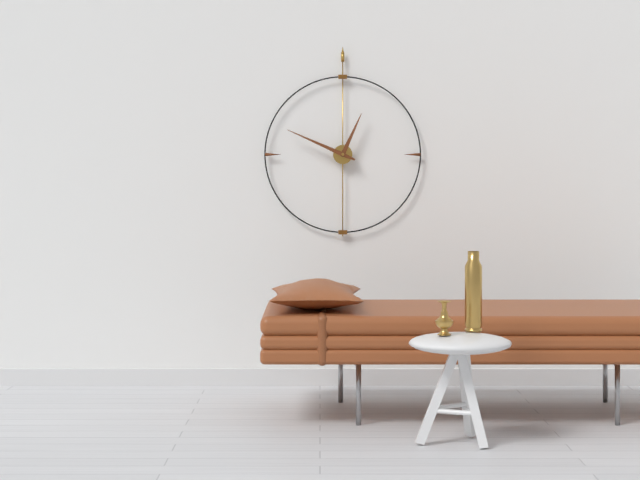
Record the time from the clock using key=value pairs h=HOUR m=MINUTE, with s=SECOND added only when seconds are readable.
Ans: h=12 m=49
